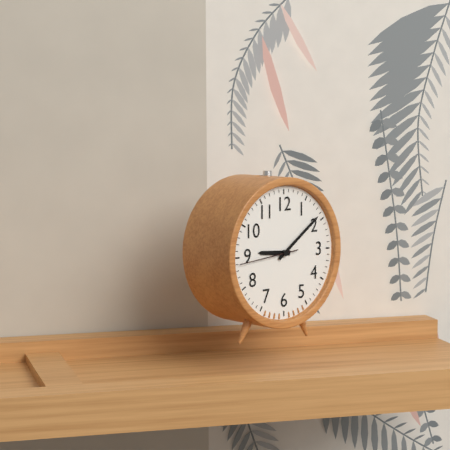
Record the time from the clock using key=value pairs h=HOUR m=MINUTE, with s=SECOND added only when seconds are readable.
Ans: h=9 m=9 s=44
